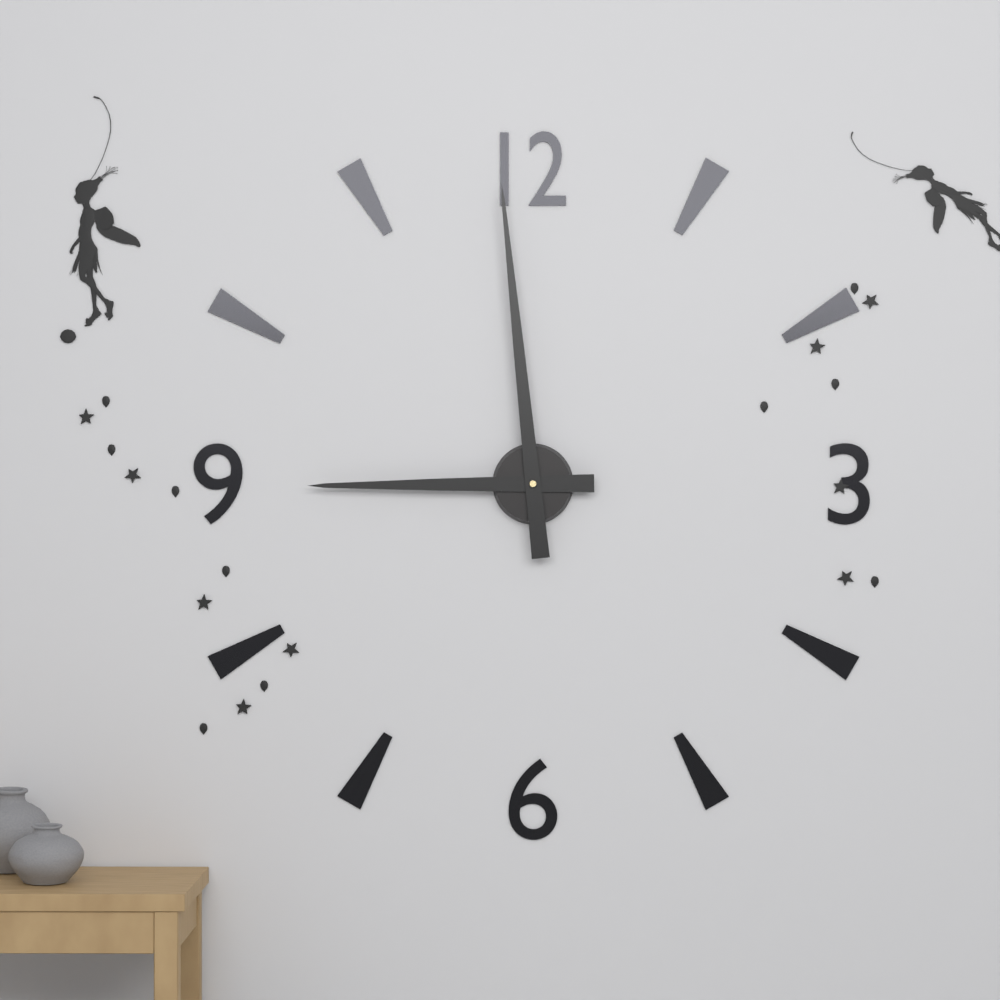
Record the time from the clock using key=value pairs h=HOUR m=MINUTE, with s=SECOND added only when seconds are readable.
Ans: h=8 m=59
